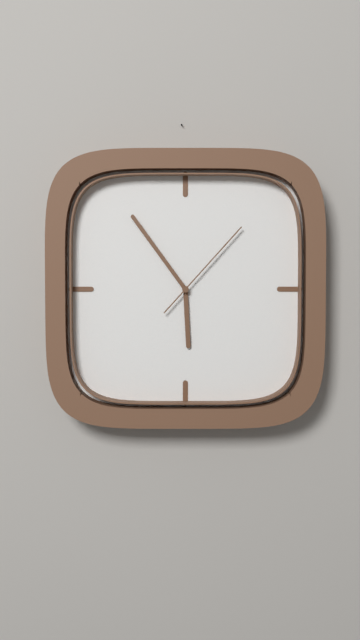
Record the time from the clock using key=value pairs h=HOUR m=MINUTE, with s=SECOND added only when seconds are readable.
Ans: h=5 m=54 s=7
